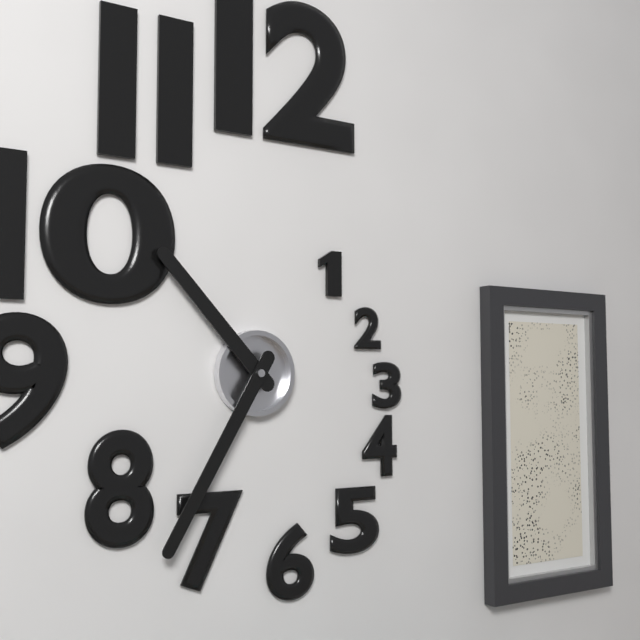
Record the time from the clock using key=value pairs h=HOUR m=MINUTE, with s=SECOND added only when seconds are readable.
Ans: h=10 m=35
